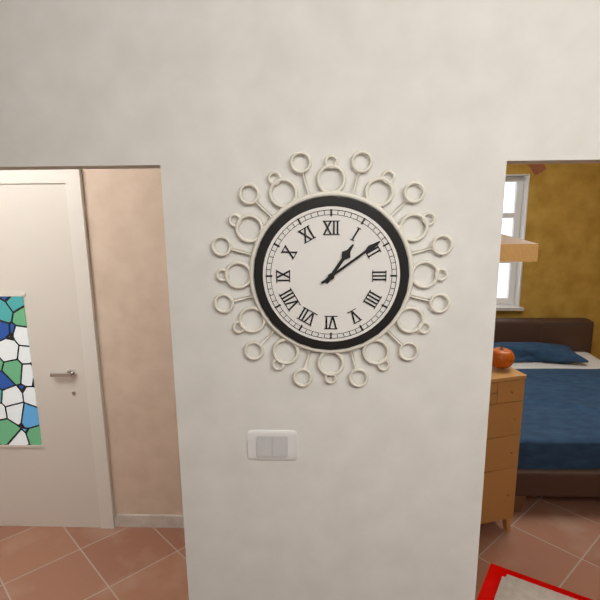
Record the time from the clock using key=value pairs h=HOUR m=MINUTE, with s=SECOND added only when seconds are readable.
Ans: h=1 m=9
